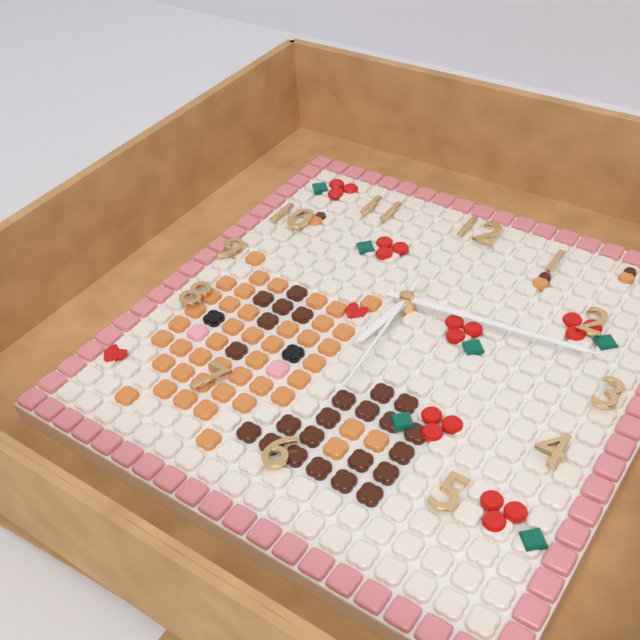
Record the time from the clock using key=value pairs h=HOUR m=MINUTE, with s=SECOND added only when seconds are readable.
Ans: h=6 m=14 s=29
